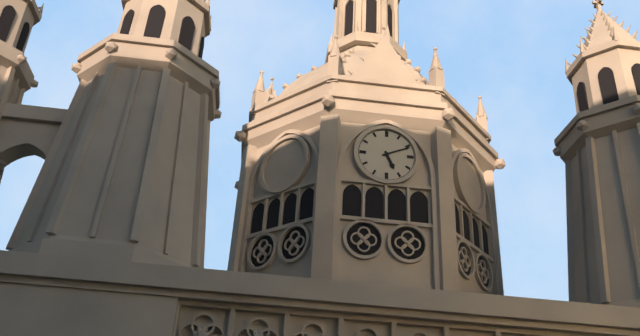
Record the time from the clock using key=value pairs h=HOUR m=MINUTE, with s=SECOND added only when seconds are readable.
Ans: h=5 m=11
